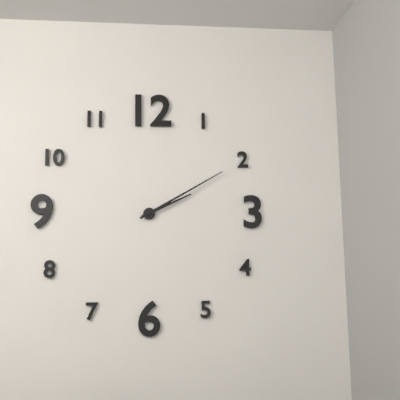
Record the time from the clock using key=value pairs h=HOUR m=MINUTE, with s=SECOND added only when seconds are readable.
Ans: h=2 m=10
